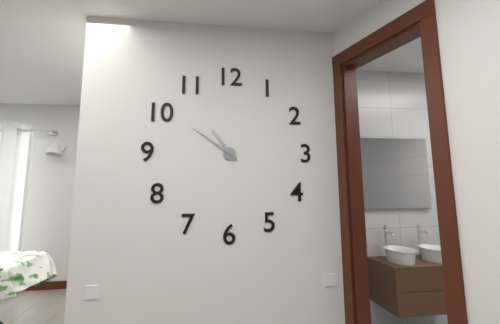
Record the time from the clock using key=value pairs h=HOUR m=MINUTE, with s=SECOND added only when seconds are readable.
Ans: h=10 m=51
